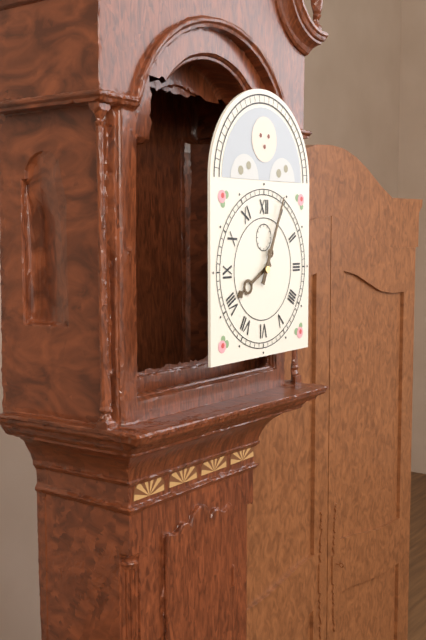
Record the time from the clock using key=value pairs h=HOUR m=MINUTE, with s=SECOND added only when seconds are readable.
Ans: h=8 m=4
